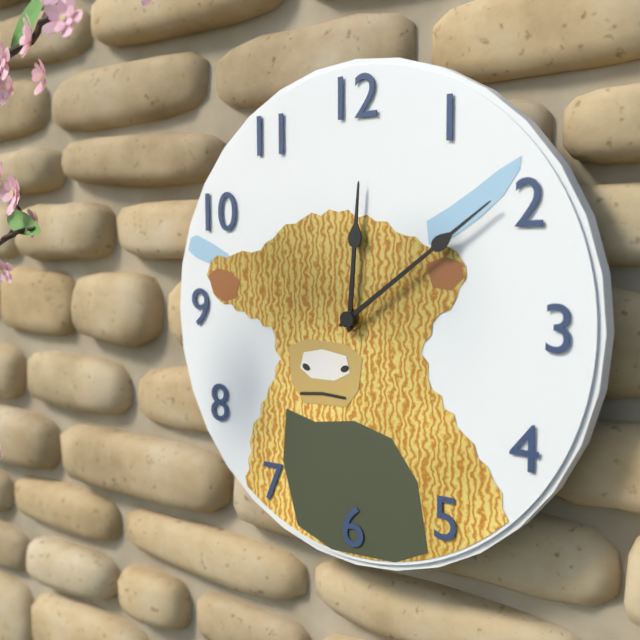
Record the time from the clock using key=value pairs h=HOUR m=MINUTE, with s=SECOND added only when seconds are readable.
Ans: h=12 m=9
